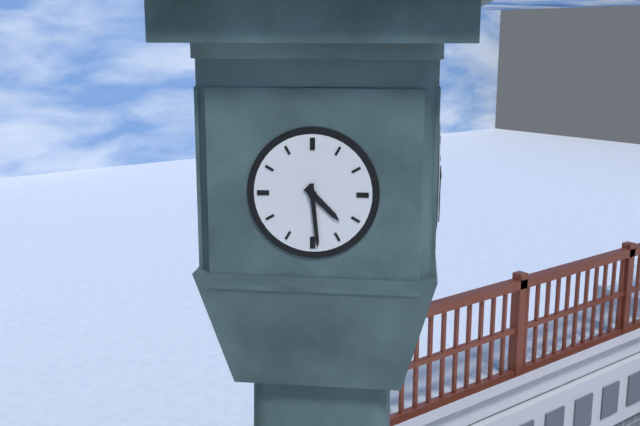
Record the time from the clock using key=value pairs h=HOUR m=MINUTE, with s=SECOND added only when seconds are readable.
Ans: h=4 m=29
